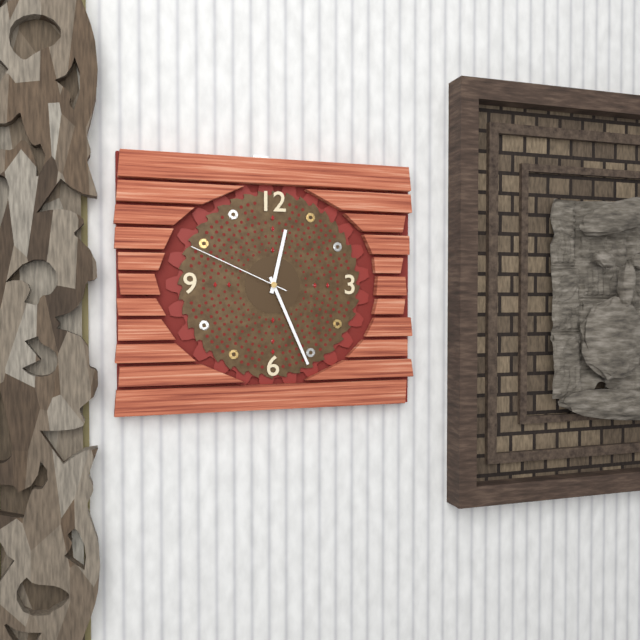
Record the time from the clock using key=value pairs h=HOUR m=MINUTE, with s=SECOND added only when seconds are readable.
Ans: h=12 m=26 s=49
